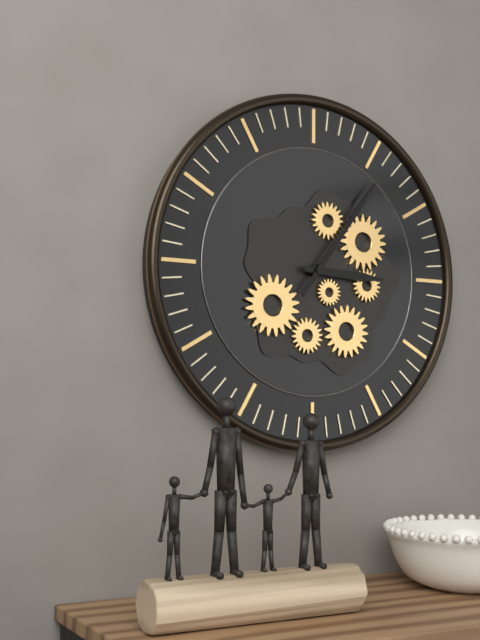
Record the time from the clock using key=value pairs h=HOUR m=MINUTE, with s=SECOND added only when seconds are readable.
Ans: h=3 m=6
